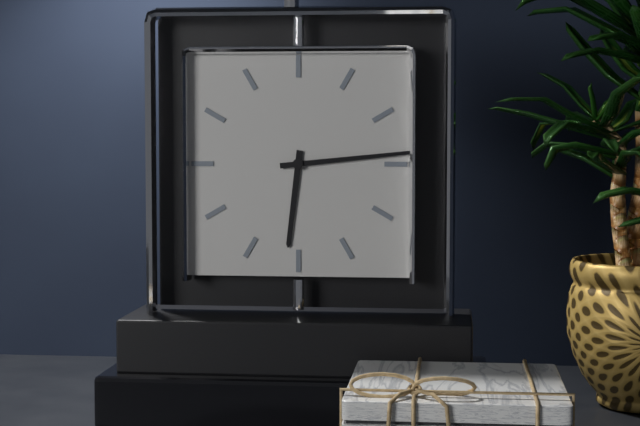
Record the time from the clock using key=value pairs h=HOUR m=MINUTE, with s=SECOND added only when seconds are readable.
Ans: h=6 m=14
